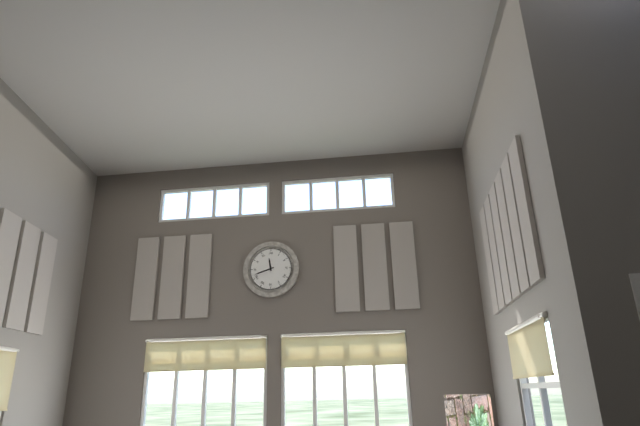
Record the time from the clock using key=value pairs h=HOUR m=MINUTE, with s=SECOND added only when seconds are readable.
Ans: h=11 m=42
